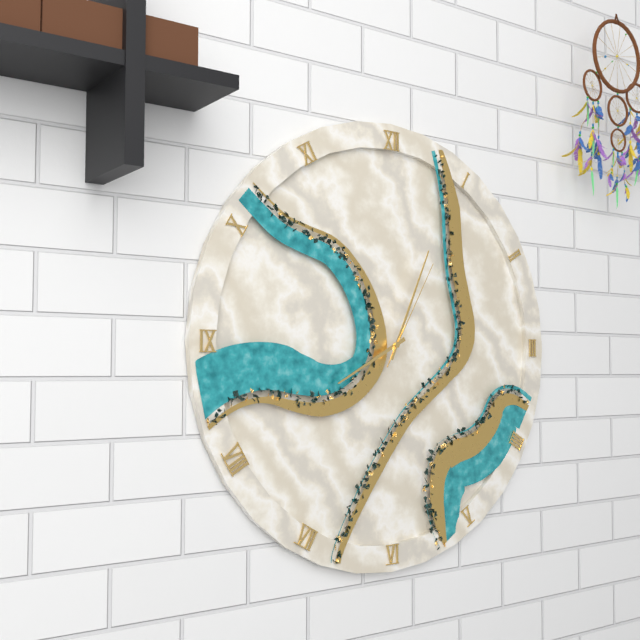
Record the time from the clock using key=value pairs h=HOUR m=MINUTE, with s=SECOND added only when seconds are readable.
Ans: h=8 m=4 s=5
